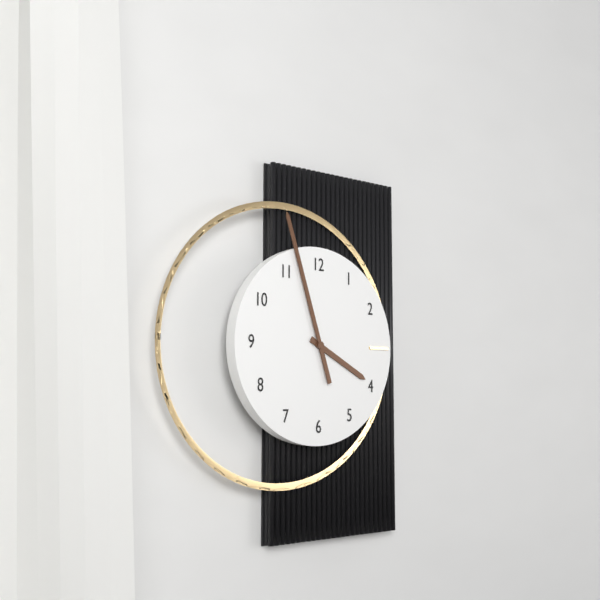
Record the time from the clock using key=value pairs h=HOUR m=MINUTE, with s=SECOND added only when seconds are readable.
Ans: h=3 m=57
